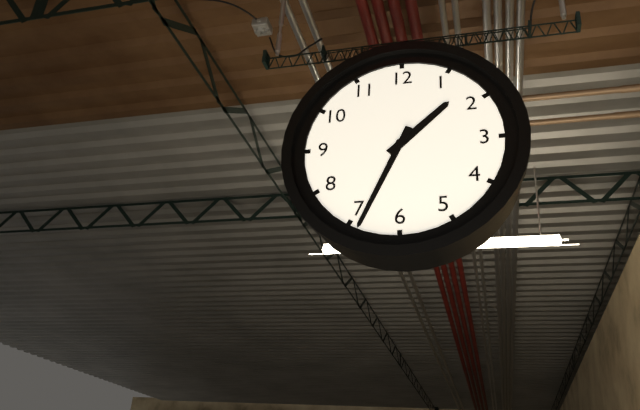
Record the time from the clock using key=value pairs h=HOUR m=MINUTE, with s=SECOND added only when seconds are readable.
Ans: h=1 m=34
